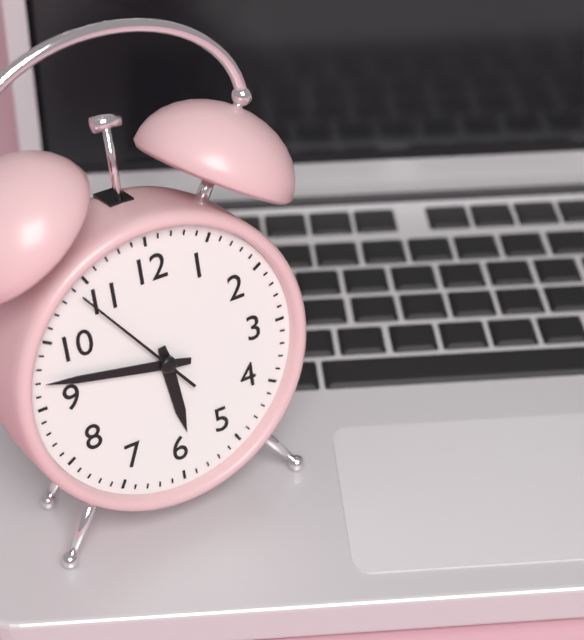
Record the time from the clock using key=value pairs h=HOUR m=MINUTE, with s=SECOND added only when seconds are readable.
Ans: h=5 m=47 s=54
